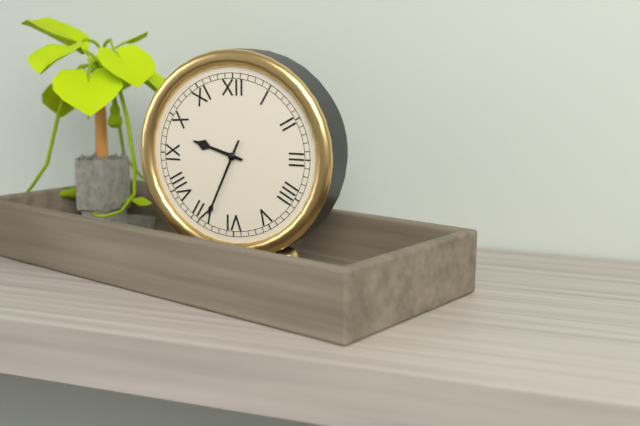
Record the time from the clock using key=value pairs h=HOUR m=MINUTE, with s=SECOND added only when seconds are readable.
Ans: h=9 m=34
